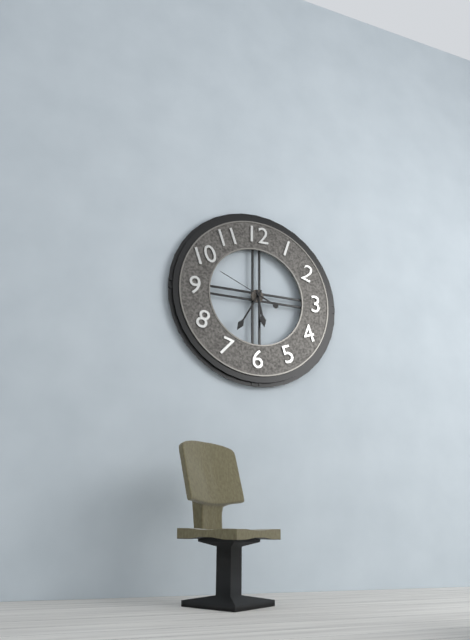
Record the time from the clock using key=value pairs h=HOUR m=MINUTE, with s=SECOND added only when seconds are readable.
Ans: h=5 m=35 s=49
